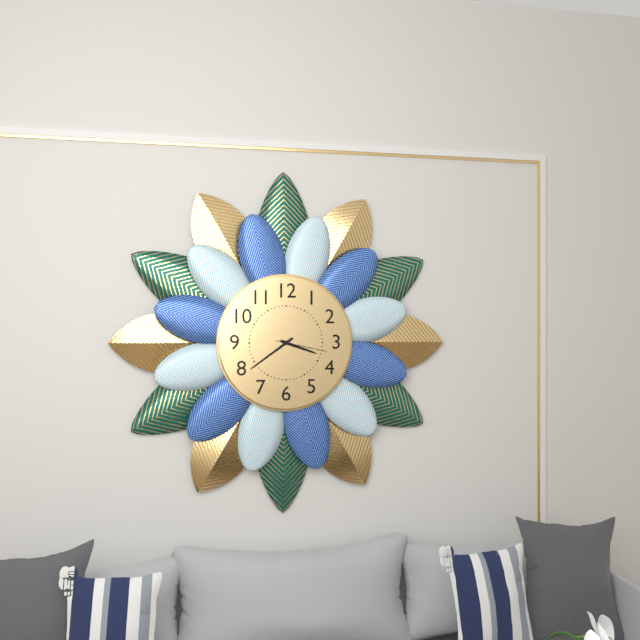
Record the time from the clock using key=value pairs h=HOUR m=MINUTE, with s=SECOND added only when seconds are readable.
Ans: h=3 m=39 s=17
